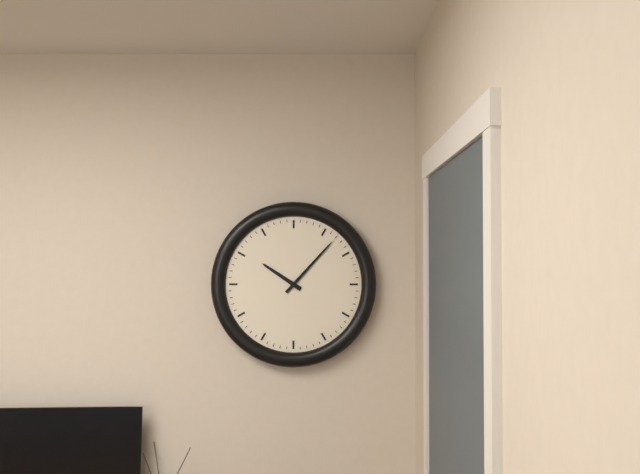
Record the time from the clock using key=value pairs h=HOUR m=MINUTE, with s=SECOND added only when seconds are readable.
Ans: h=10 m=7
